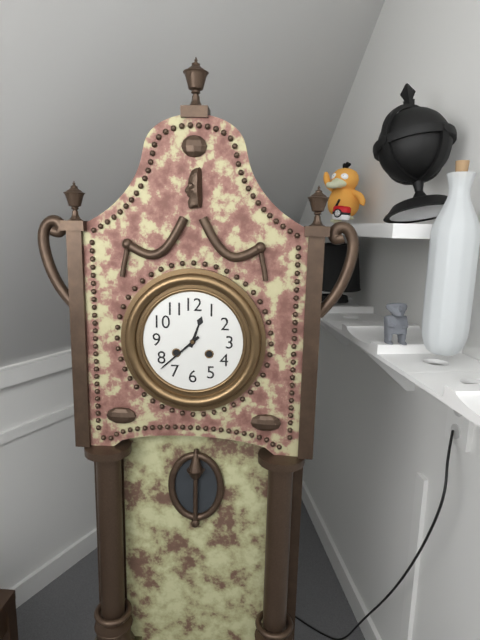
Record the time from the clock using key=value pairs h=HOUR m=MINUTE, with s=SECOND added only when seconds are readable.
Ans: h=12 m=38
